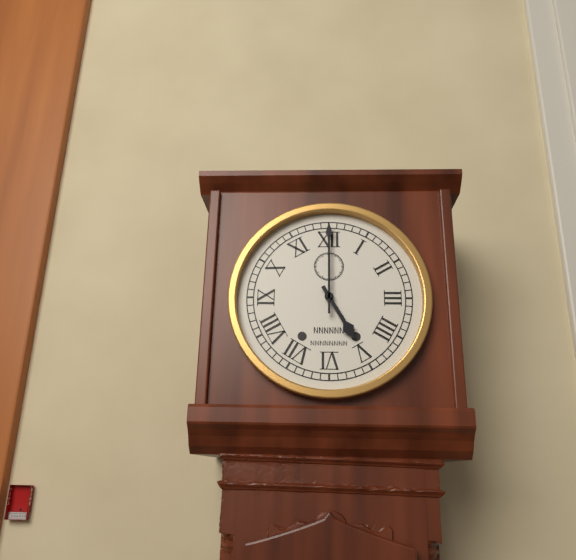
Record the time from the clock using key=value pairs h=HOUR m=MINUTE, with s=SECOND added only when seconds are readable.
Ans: h=5 m=0
